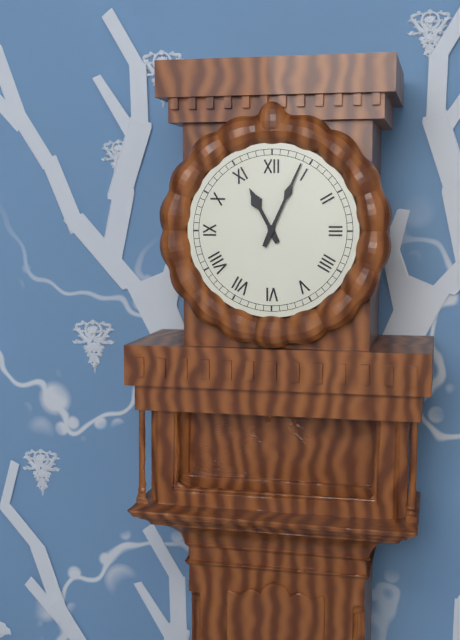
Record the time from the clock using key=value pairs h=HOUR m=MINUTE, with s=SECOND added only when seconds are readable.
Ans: h=11 m=4
